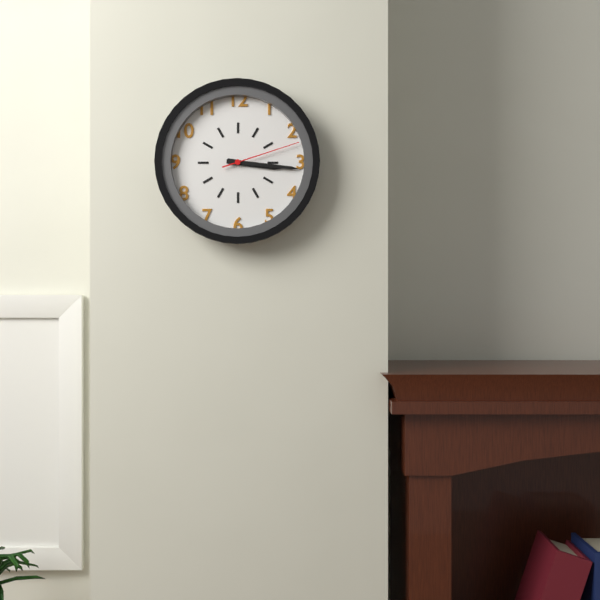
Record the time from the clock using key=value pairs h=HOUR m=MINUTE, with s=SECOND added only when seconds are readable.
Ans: h=3 m=16 s=12
